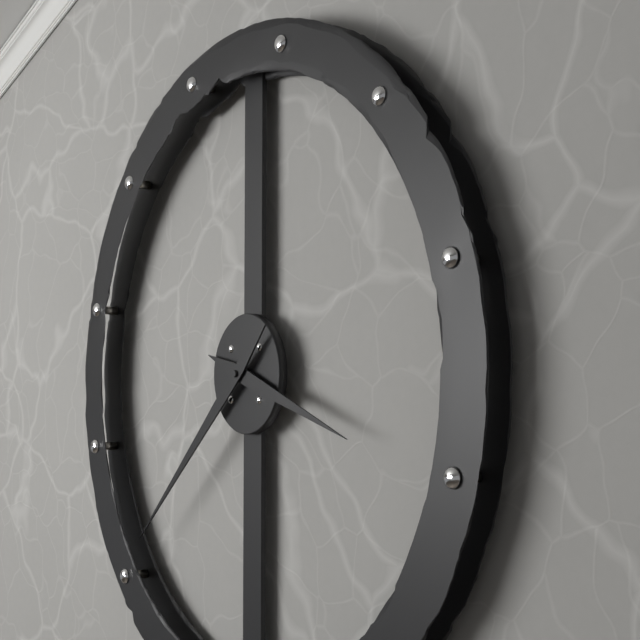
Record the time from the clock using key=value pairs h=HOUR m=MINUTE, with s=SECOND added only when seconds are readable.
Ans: h=3 m=38
